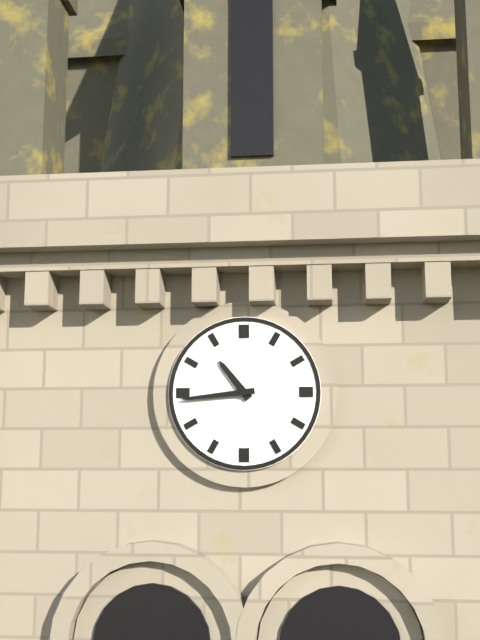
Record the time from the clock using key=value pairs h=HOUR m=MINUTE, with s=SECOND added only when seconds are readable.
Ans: h=10 m=44
